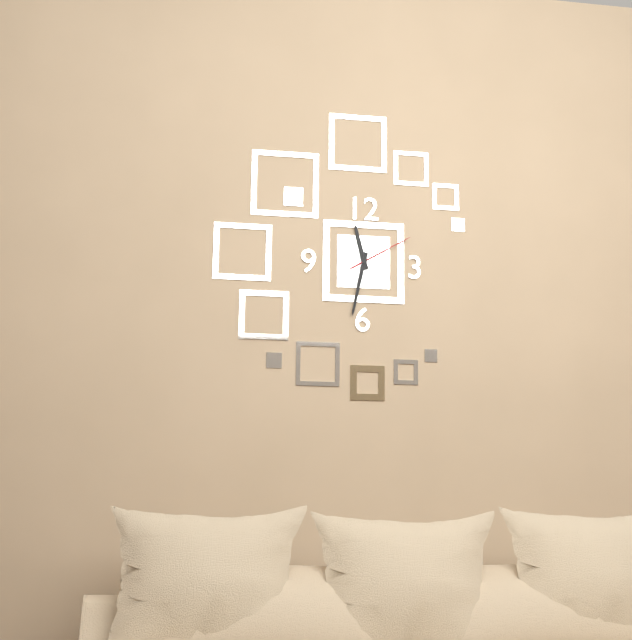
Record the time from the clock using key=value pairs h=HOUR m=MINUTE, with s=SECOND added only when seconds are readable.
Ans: h=11 m=32 s=10
